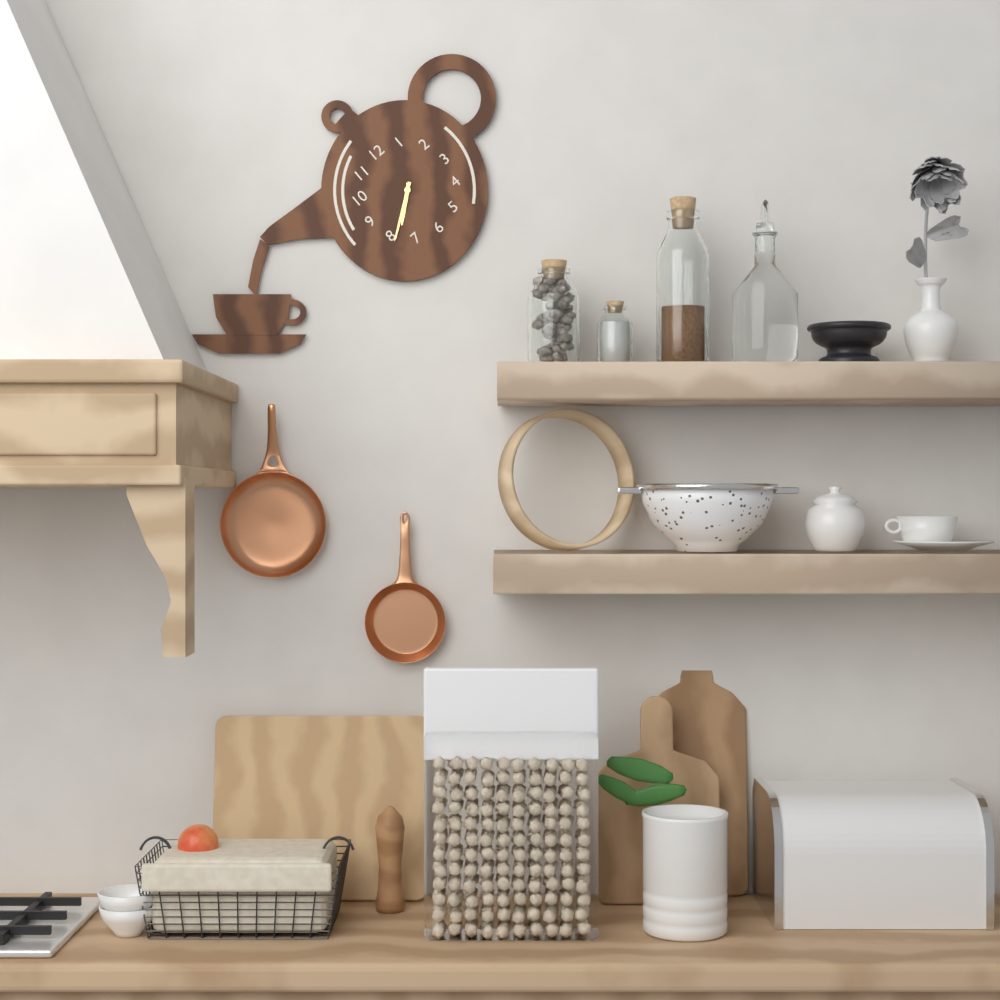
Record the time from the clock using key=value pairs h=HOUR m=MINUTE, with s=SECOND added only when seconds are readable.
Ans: h=7 m=39
